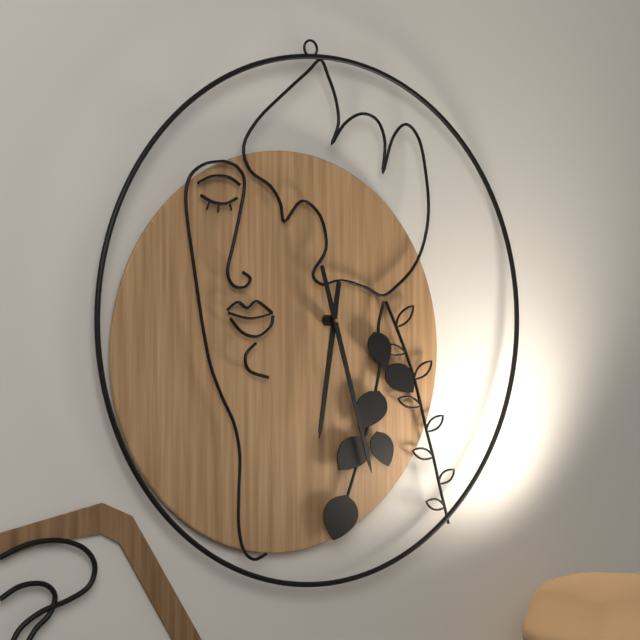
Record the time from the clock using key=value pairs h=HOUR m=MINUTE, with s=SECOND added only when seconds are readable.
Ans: h=6 m=28
